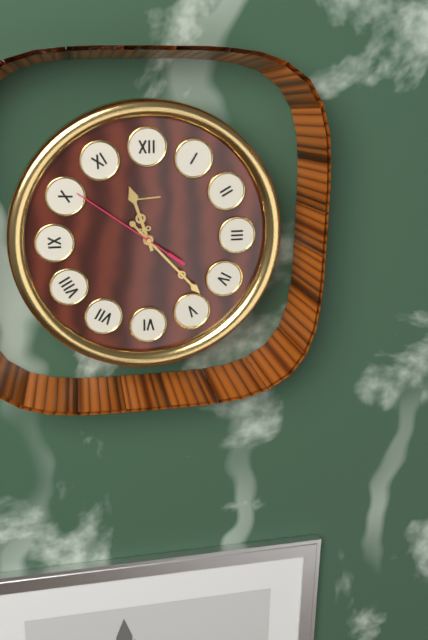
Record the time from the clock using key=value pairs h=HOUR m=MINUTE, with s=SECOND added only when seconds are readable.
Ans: h=11 m=23 s=51
